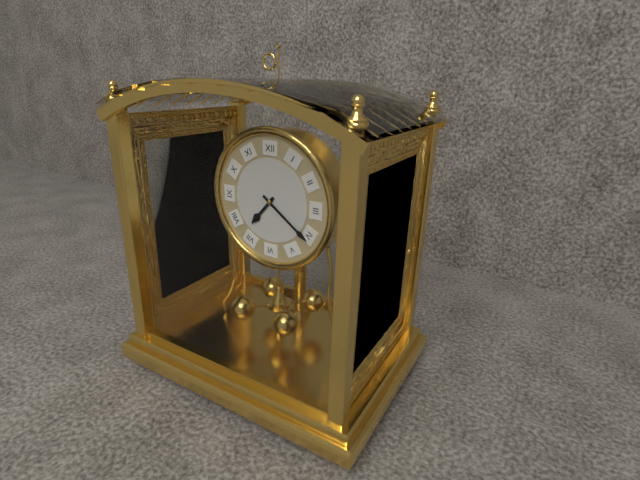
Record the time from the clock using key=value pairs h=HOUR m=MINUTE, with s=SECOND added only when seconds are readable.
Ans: h=7 m=21
